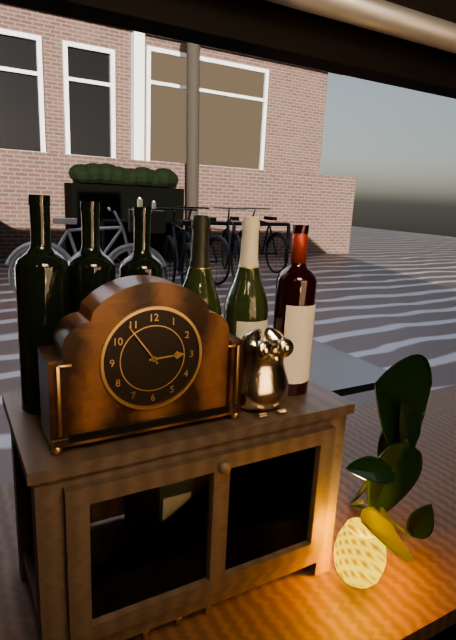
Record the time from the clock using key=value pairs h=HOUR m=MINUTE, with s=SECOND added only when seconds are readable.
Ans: h=2 m=54
